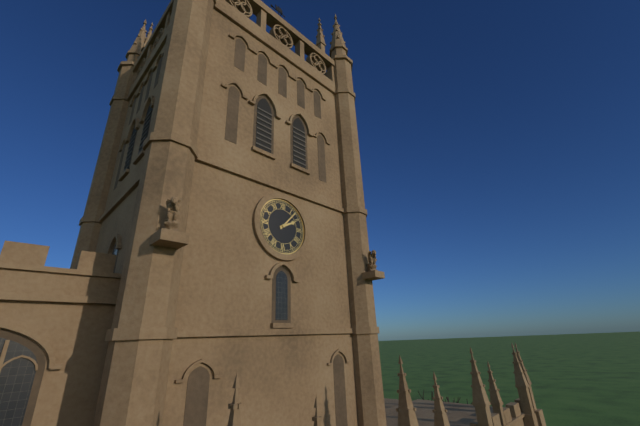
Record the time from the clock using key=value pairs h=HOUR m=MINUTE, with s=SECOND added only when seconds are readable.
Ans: h=2 m=7
